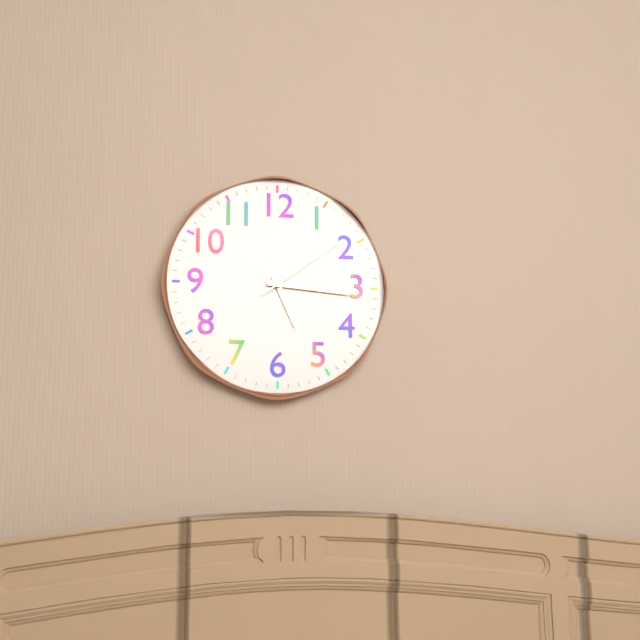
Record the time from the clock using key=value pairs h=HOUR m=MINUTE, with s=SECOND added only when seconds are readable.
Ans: h=5 m=16 s=9
